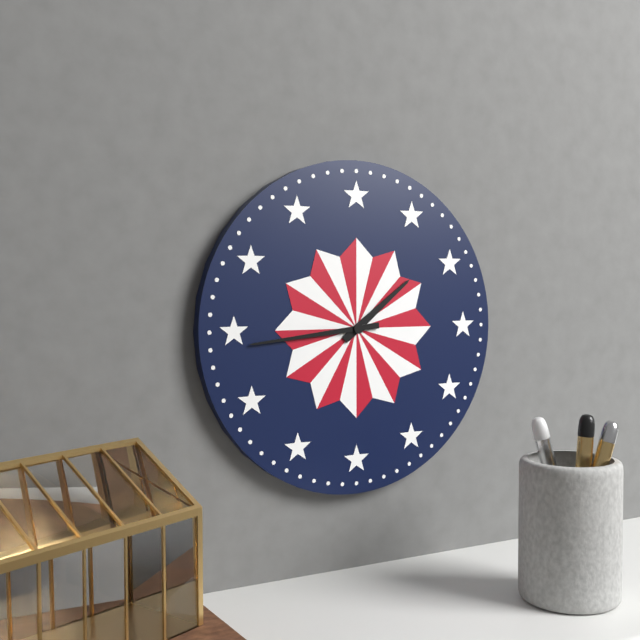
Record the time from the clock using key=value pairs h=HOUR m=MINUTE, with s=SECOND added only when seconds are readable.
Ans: h=1 m=44
